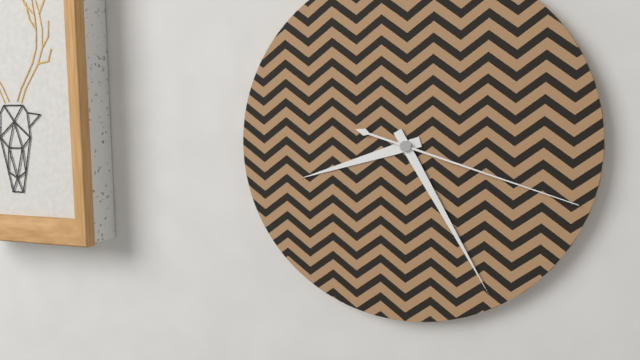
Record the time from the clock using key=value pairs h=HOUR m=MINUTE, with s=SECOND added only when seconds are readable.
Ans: h=8 m=25 s=18
